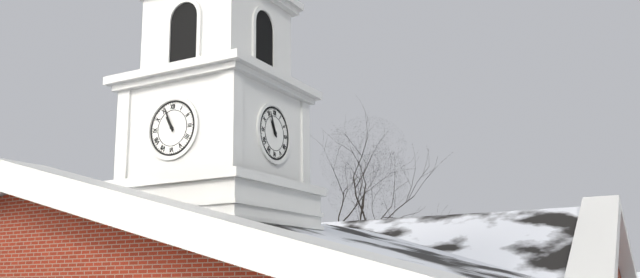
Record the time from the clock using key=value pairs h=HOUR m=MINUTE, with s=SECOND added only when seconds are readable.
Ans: h=10 m=56
